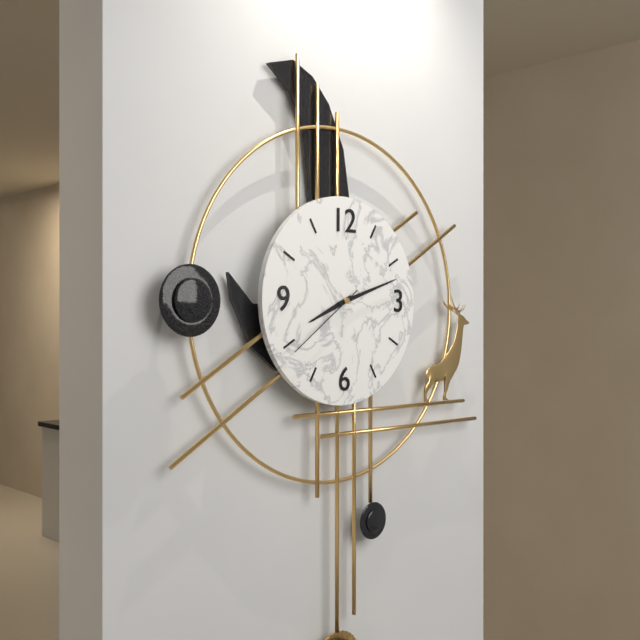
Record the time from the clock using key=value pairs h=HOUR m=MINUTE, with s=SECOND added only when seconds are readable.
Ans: h=8 m=12 s=39
